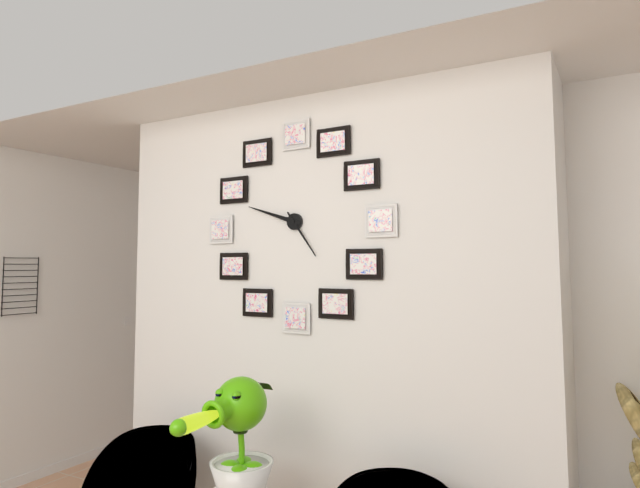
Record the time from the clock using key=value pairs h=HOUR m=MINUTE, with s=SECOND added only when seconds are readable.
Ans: h=4 m=48
